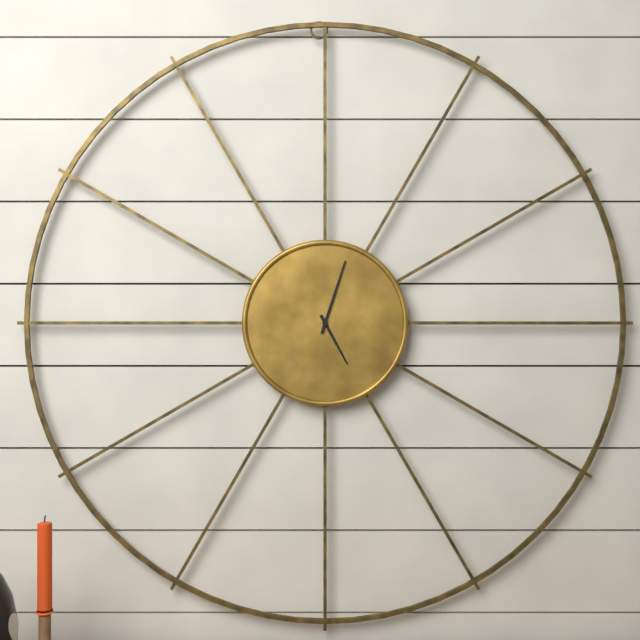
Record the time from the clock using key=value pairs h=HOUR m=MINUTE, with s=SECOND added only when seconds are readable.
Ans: h=5 m=3
